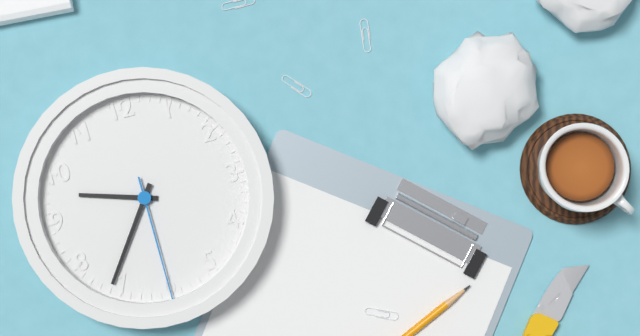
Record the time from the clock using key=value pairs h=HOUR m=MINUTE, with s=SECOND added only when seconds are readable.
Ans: h=9 m=36 s=30
